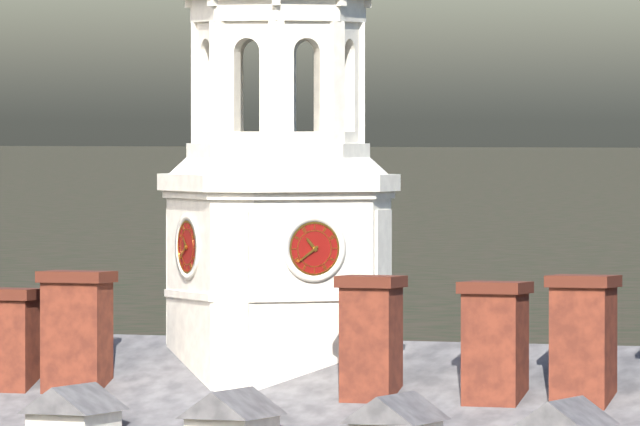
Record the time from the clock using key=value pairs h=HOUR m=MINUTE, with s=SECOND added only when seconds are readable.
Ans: h=10 m=39
